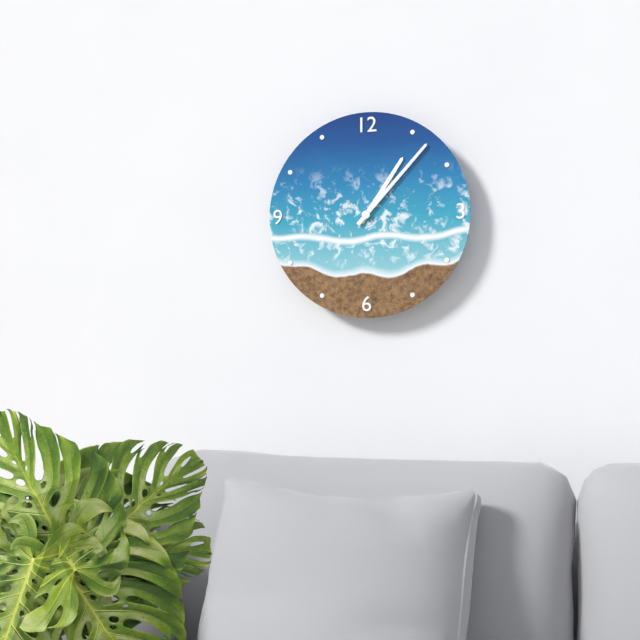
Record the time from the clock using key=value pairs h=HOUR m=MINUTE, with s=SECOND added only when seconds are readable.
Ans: h=1 m=7
